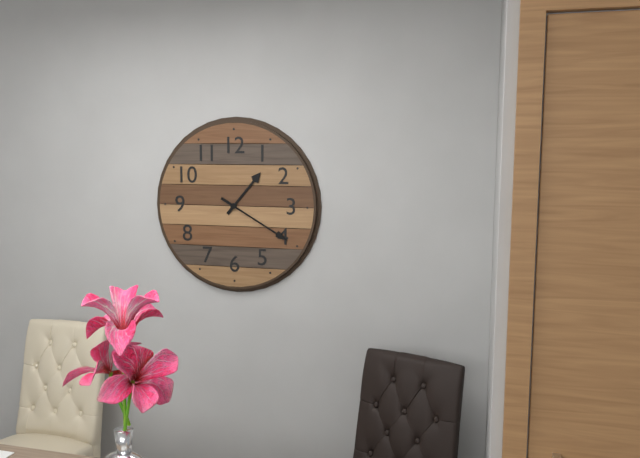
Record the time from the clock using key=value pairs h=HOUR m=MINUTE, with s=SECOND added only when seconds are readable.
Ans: h=1 m=20
